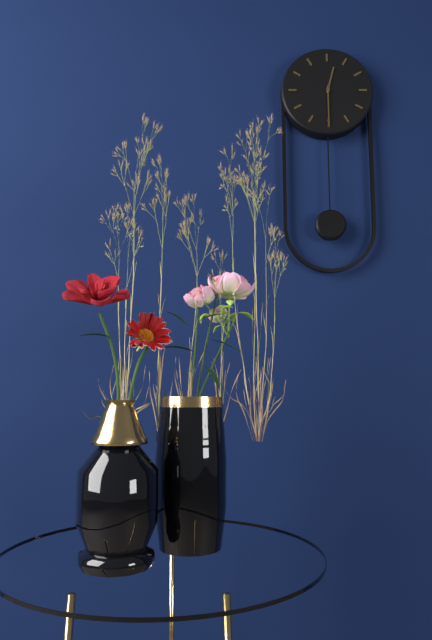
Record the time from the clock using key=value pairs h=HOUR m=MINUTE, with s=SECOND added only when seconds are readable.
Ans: h=12 m=30
